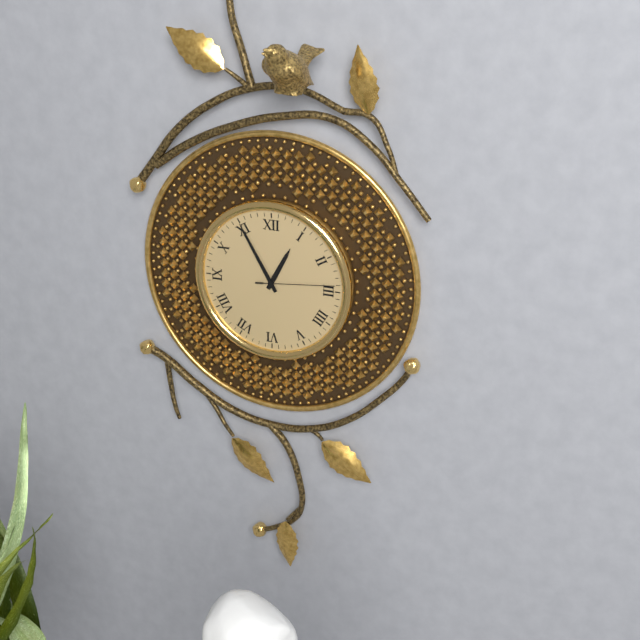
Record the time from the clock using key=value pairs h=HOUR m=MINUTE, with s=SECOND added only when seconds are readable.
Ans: h=12 m=55 s=14
